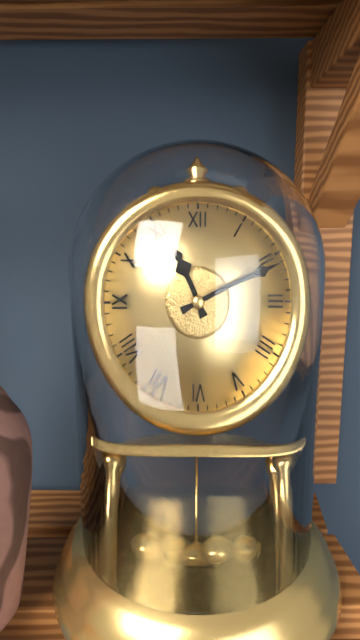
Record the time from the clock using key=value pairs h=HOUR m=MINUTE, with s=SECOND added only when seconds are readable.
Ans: h=11 m=11
